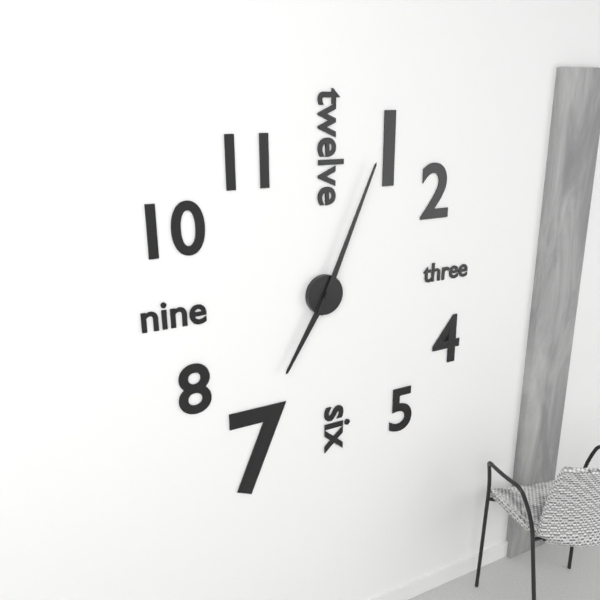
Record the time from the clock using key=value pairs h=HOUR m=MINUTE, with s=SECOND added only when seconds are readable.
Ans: h=7 m=4
